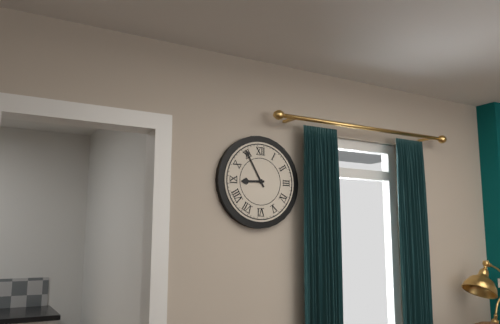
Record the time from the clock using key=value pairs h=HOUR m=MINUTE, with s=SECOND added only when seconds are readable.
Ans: h=8 m=55
